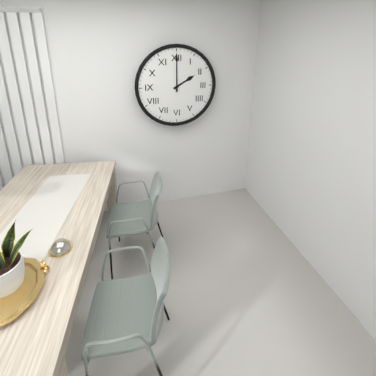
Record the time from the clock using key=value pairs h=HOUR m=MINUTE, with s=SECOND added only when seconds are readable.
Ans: h=2 m=0
